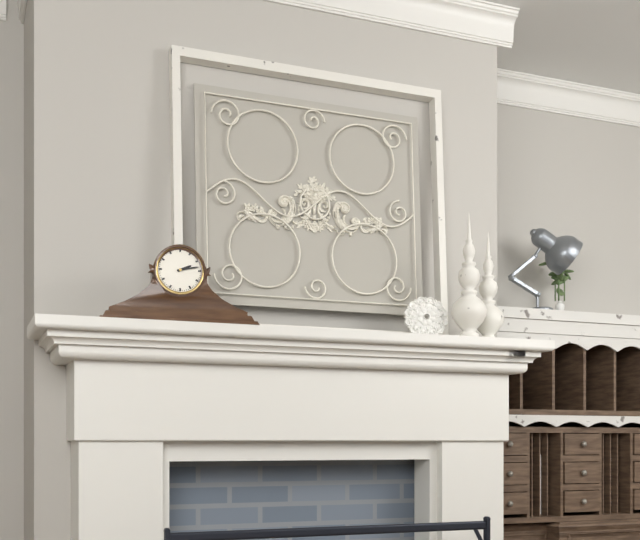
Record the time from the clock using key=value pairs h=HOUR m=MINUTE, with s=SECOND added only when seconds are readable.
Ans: h=2 m=13
